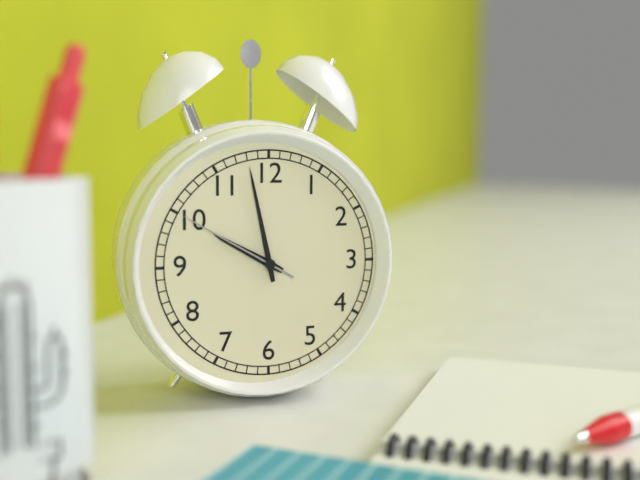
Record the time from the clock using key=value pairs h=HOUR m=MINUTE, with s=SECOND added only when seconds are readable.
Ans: h=9 m=58 s=50
